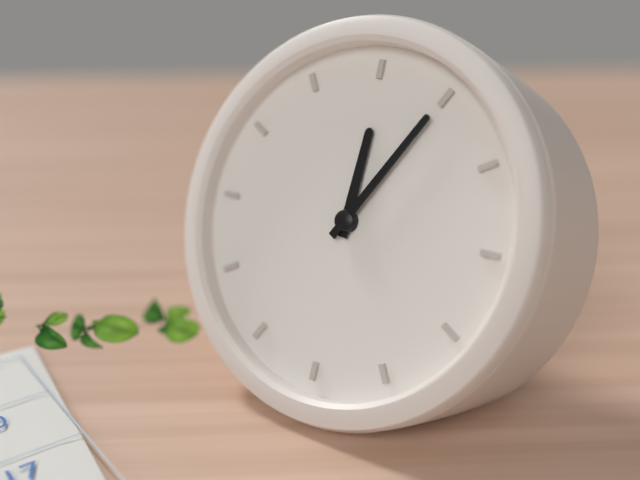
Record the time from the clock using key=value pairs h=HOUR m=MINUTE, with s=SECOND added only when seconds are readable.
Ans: h=12 m=5
